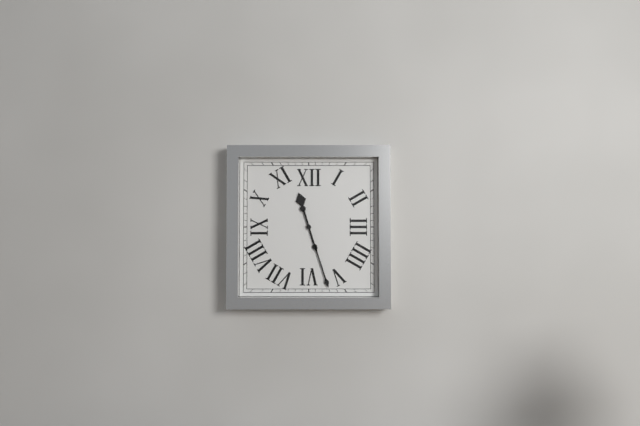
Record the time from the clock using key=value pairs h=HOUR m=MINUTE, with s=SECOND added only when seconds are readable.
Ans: h=11 m=27
